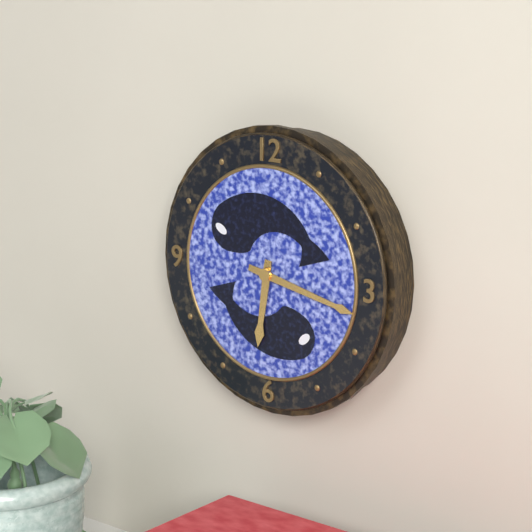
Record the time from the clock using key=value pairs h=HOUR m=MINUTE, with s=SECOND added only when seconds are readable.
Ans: h=6 m=17
